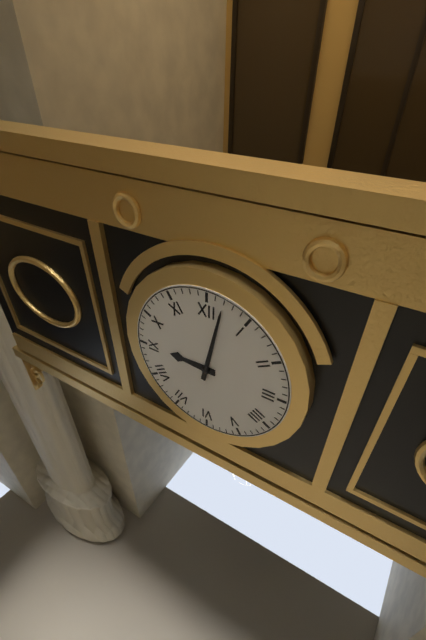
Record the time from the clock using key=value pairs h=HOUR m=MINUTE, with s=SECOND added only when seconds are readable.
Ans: h=9 m=2
